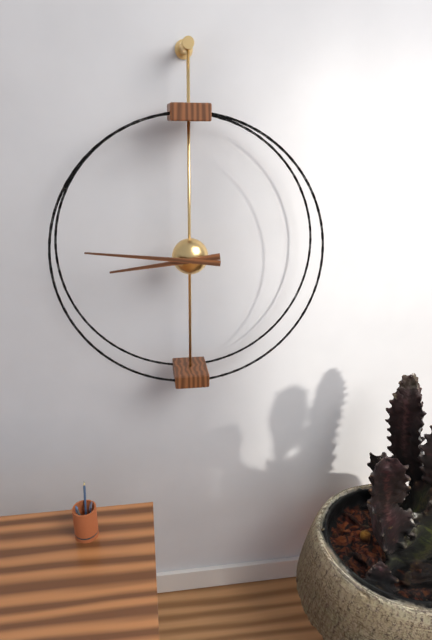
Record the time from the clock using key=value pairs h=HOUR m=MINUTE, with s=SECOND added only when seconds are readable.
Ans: h=8 m=46
